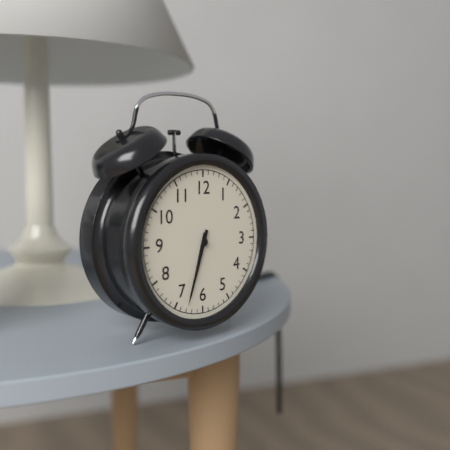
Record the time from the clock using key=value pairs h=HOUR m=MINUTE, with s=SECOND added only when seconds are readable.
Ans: h=6 m=33
